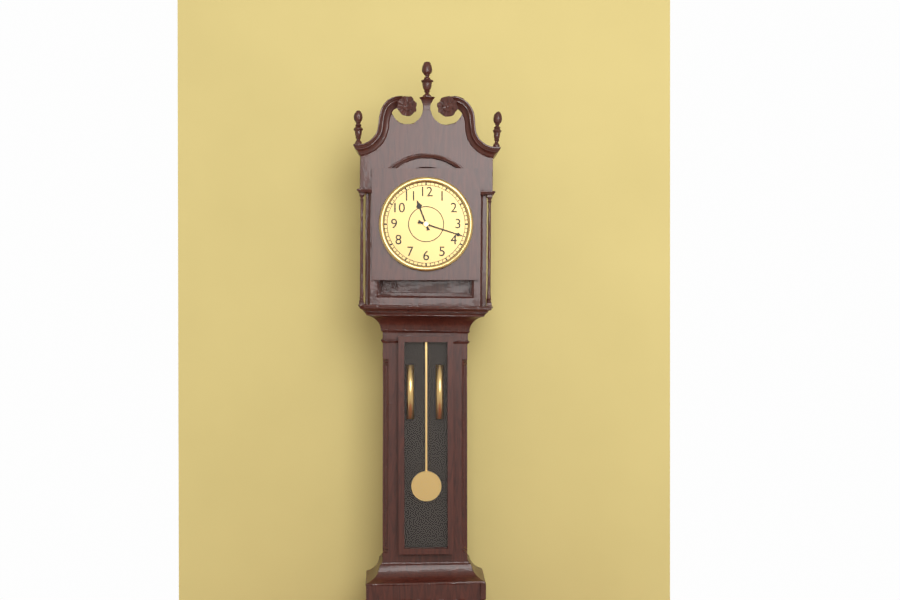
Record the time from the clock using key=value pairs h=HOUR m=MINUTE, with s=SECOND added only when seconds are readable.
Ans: h=11 m=18
